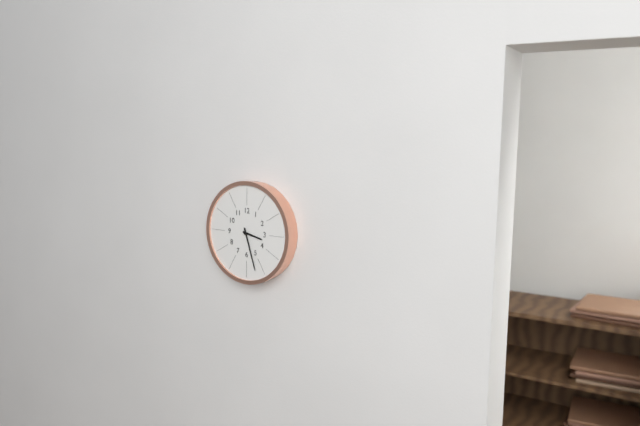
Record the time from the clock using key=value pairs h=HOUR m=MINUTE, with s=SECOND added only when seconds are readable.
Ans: h=3 m=27
